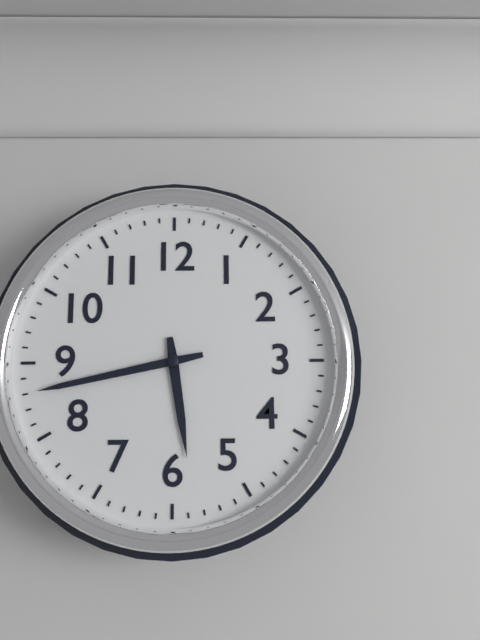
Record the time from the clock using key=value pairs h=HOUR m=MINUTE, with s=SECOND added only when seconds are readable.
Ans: h=5 m=43
